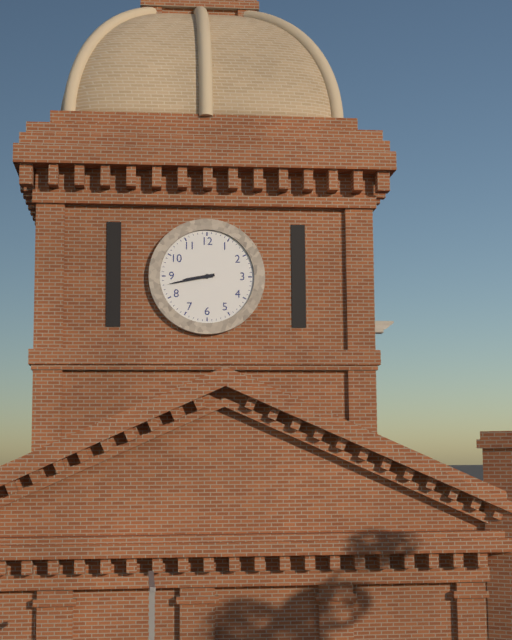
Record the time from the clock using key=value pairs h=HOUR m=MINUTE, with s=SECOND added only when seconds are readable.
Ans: h=8 m=43
